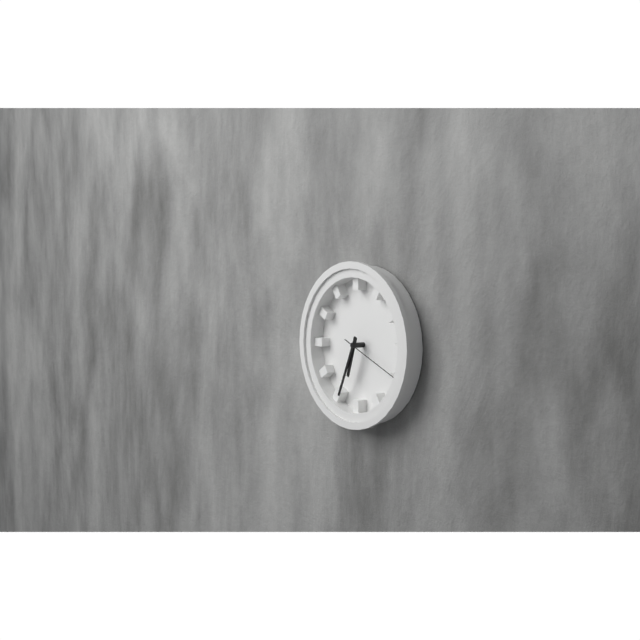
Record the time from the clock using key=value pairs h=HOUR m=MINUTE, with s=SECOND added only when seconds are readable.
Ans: h=6 m=34 s=19
